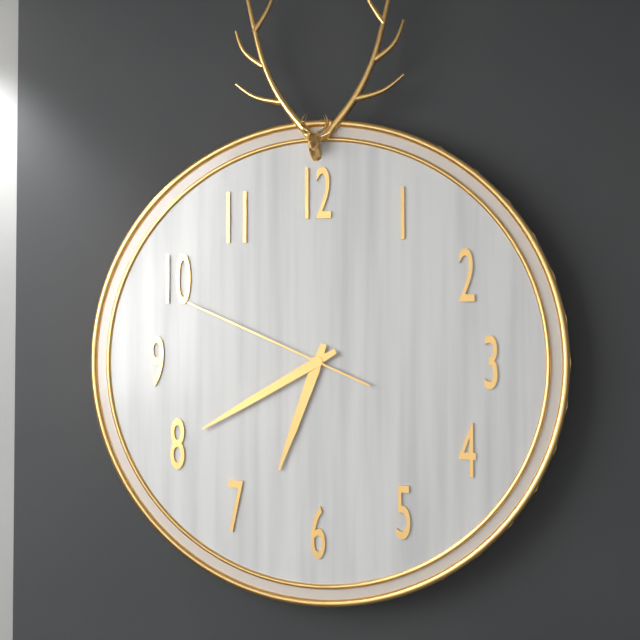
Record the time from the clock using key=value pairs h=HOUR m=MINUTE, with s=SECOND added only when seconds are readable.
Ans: h=6 m=40 s=49
